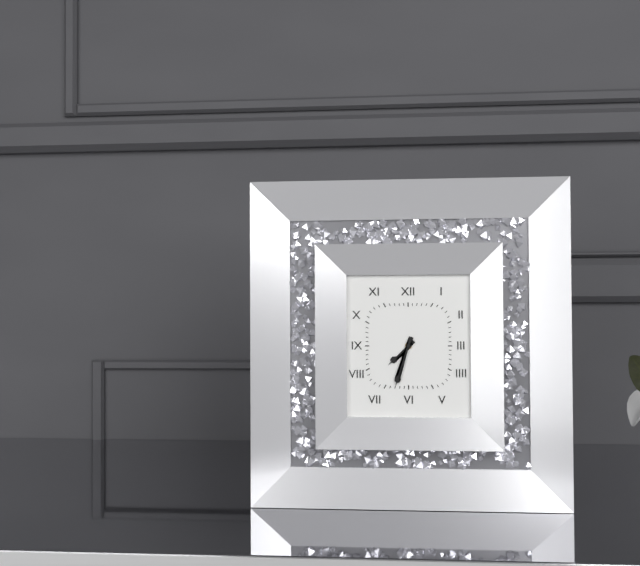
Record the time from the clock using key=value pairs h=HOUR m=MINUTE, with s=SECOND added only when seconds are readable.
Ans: h=7 m=33
